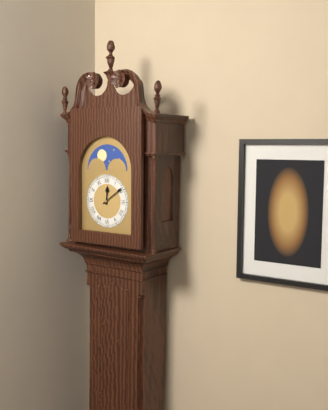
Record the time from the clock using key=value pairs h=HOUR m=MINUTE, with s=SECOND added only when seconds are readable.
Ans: h=12 m=9
